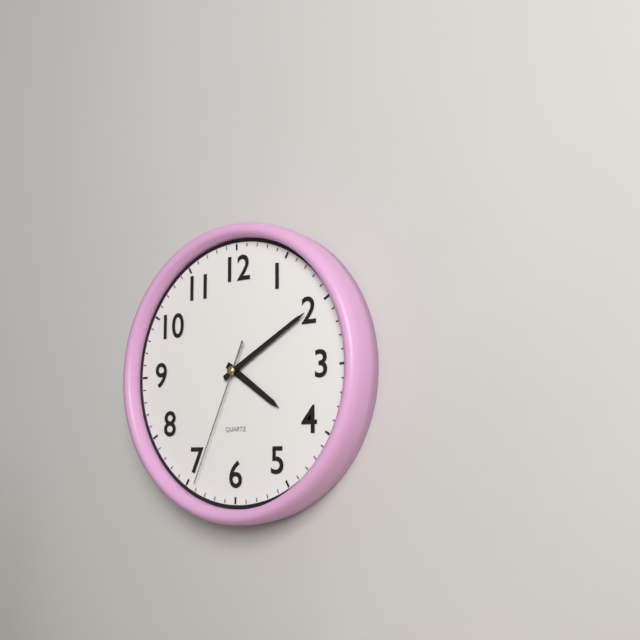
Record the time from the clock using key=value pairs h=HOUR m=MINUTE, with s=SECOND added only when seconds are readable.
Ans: h=4 m=10 s=34
